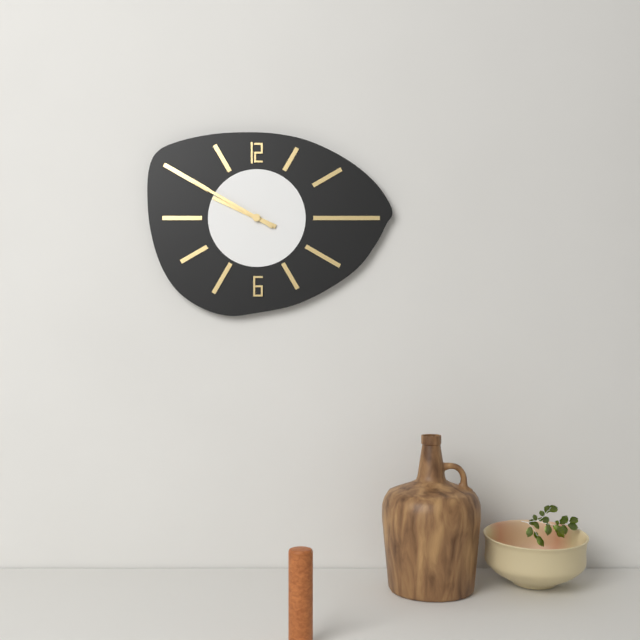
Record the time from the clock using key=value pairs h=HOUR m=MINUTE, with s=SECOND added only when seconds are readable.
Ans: h=9 m=50
